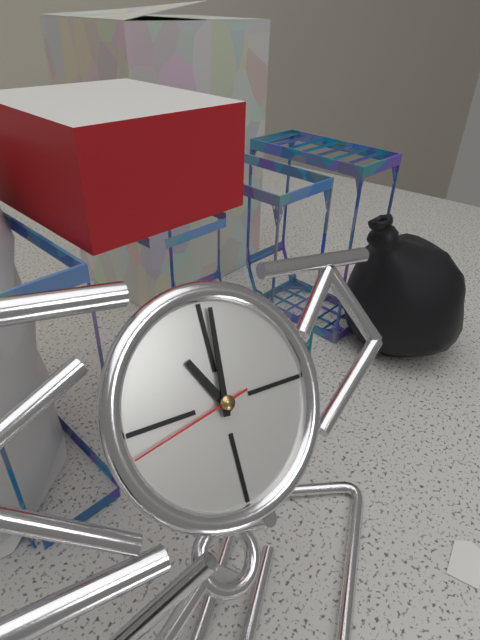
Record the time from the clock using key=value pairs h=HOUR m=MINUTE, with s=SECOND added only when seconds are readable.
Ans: h=11 m=1 s=43
